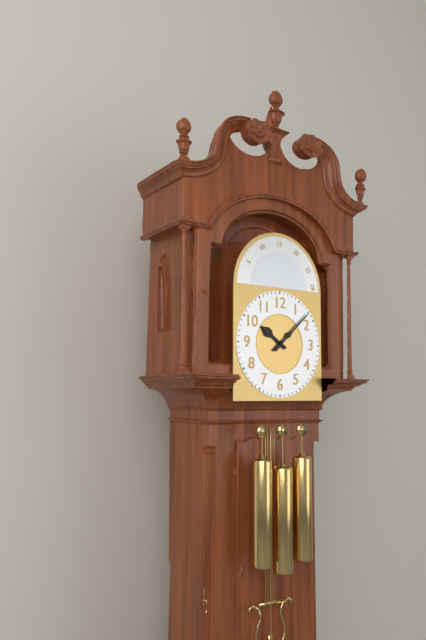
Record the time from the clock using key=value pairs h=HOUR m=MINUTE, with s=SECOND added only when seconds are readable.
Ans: h=10 m=8
